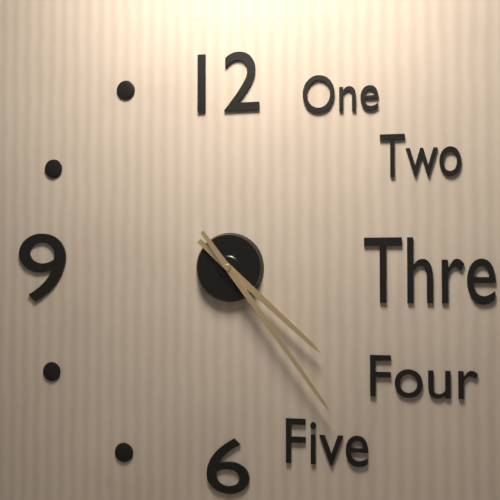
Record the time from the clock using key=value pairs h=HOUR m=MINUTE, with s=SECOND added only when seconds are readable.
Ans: h=4 m=24
